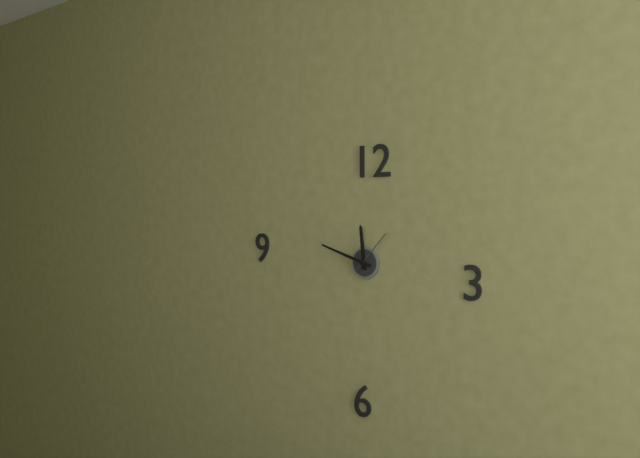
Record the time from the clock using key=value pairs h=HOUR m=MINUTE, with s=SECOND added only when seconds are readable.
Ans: h=11 m=48
